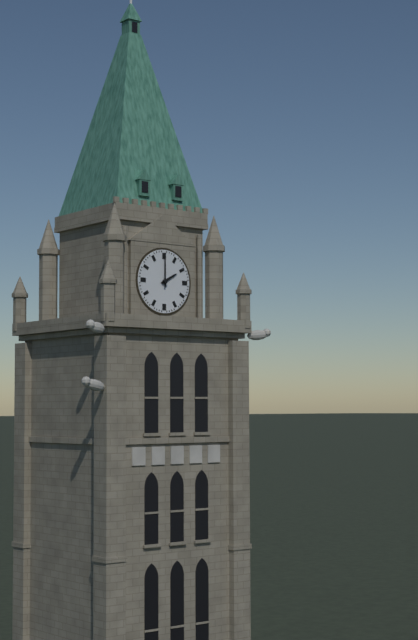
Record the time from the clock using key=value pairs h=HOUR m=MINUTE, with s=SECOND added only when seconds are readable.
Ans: h=2 m=0
